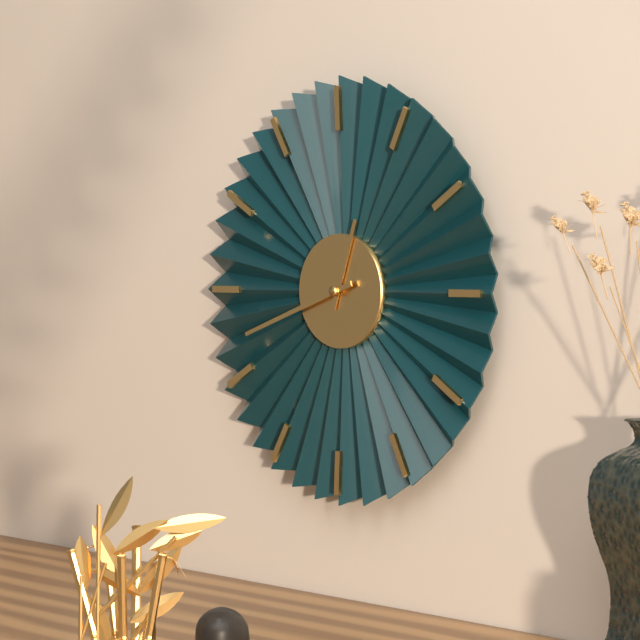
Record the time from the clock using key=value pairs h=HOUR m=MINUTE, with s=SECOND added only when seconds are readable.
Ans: h=12 m=42
